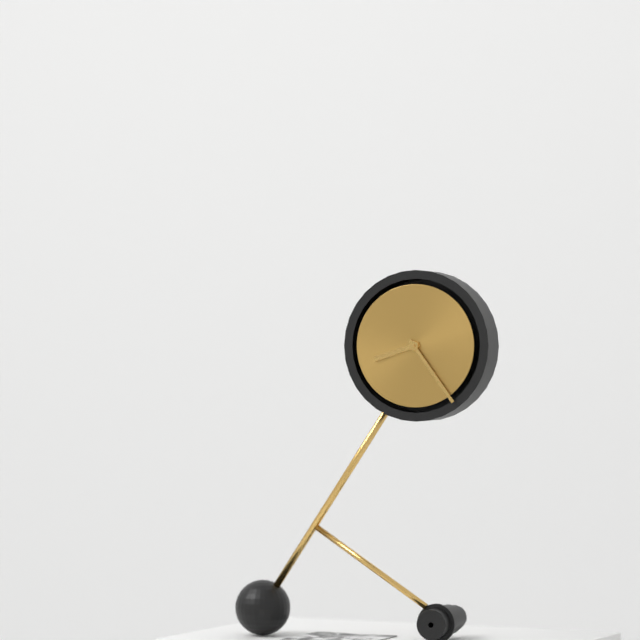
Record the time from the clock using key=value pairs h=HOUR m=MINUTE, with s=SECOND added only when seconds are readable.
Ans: h=8 m=24
